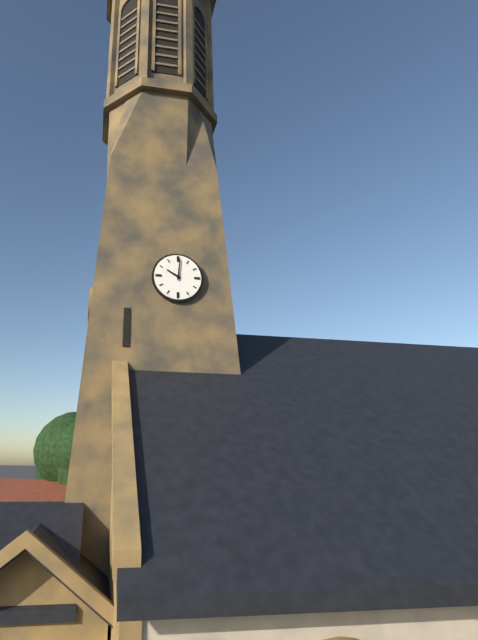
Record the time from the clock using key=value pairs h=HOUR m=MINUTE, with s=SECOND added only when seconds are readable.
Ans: h=10 m=1
